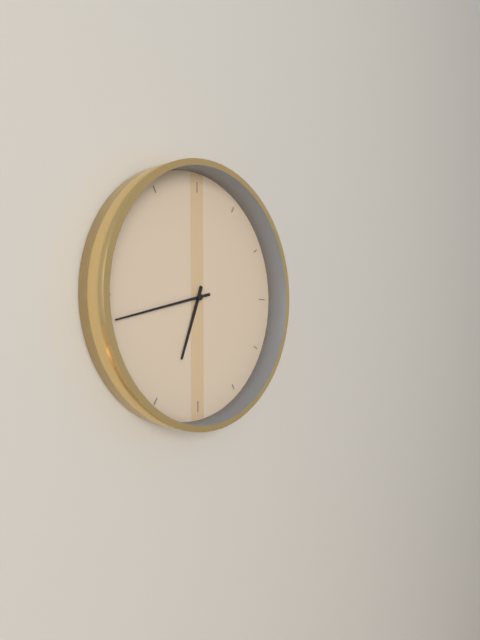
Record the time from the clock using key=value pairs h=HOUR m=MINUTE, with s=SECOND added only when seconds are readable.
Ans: h=6 m=43
